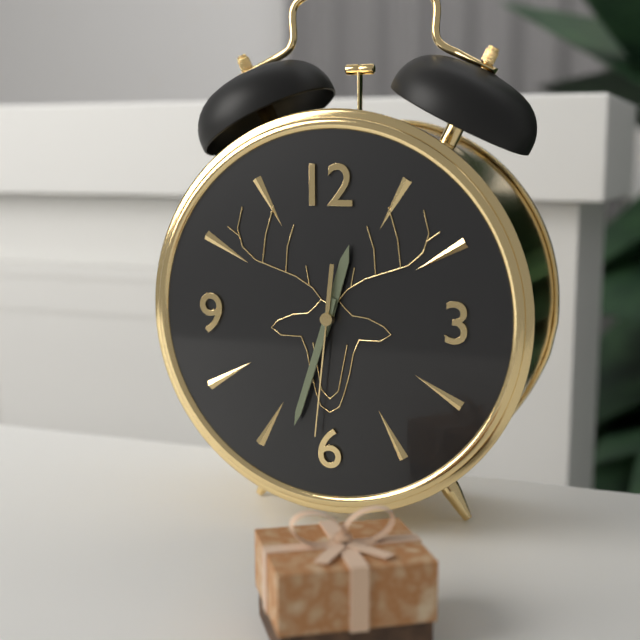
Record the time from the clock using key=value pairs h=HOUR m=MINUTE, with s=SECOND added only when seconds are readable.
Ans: h=12 m=33 s=31
